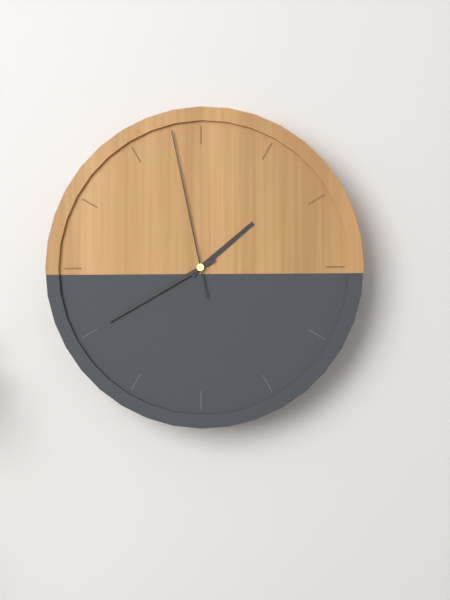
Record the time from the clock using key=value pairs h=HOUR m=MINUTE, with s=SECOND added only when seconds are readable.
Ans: h=1 m=40 s=58
